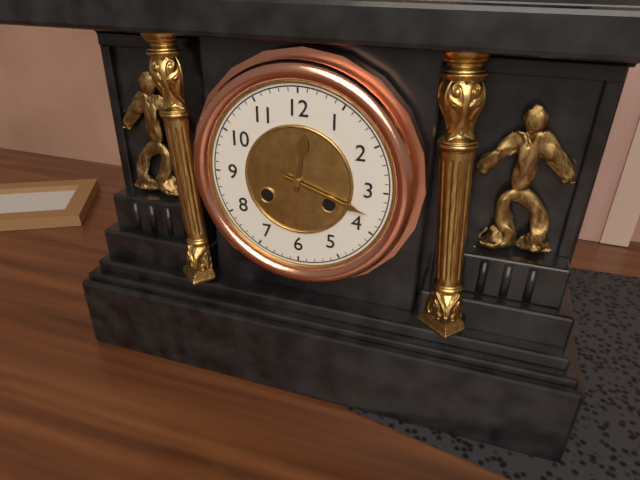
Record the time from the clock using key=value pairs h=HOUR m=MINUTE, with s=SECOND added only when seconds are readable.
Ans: h=12 m=18
